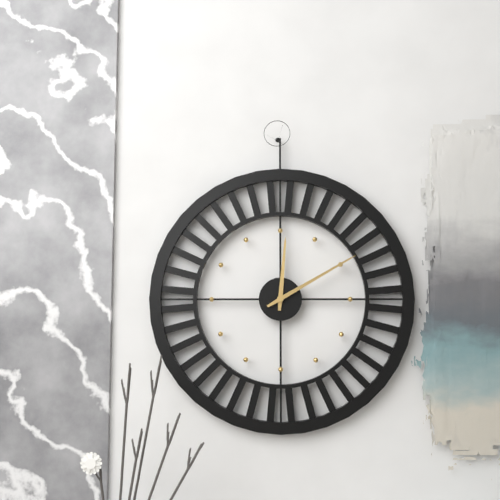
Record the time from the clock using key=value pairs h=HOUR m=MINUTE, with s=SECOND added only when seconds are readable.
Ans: h=12 m=10
